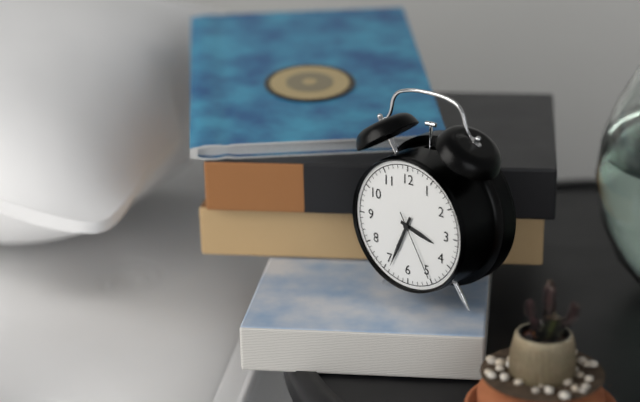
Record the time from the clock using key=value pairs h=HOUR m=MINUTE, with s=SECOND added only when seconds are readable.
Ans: h=3 m=34 s=25
